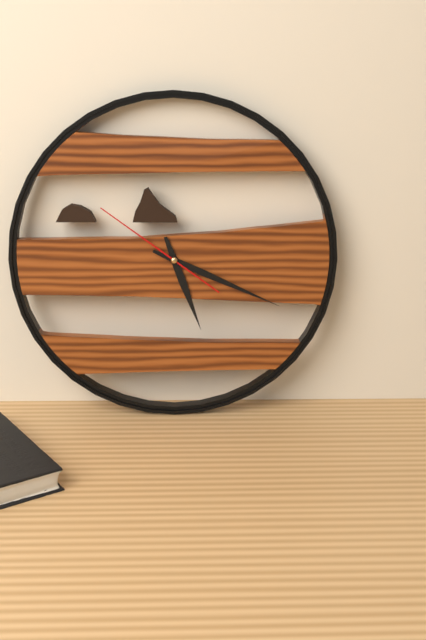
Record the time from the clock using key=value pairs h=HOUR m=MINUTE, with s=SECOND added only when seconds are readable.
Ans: h=5 m=19 s=51
